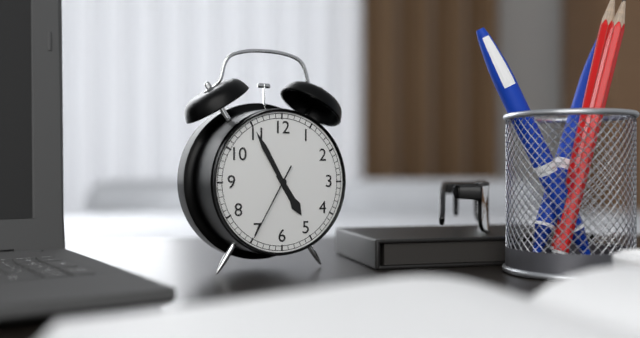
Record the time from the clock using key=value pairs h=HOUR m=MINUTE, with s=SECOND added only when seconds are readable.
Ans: h=4 m=55 s=35
